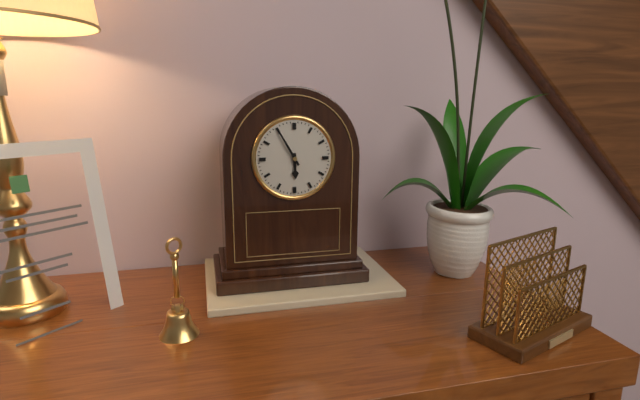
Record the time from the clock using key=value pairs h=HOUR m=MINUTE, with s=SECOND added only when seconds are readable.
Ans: h=5 m=55
